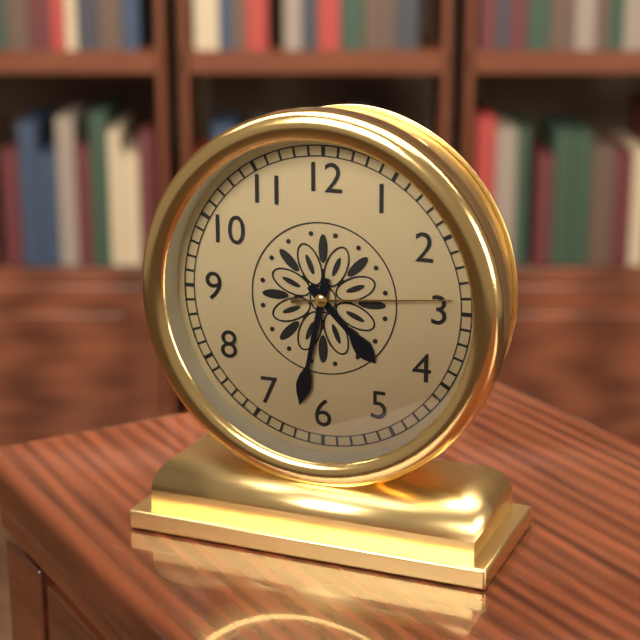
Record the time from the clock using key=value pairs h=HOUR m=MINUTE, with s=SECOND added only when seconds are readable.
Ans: h=4 m=32 s=14
